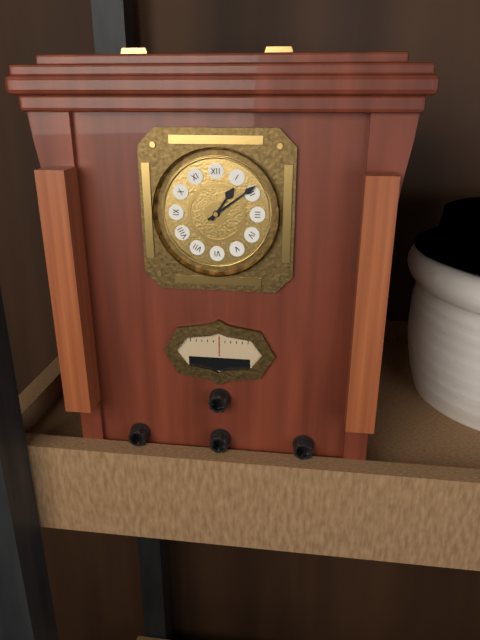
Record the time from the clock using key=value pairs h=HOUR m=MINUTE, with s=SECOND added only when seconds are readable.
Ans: h=1 m=9
